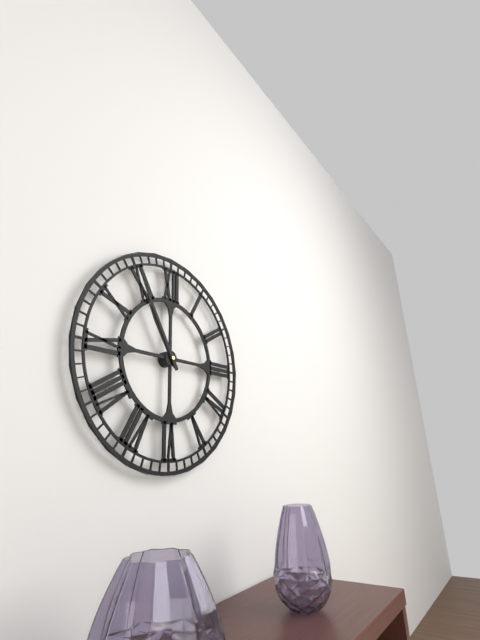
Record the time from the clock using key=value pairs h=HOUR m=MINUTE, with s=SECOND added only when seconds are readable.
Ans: h=10 m=55
